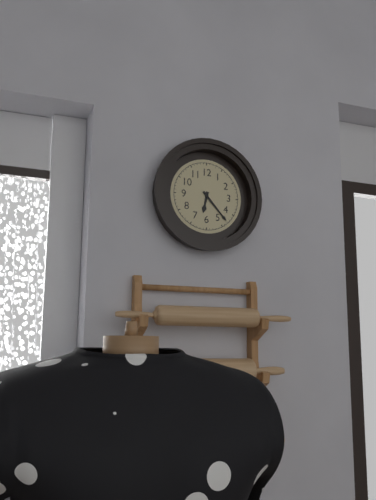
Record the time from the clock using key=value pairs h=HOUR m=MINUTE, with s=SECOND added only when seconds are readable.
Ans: h=6 m=23
